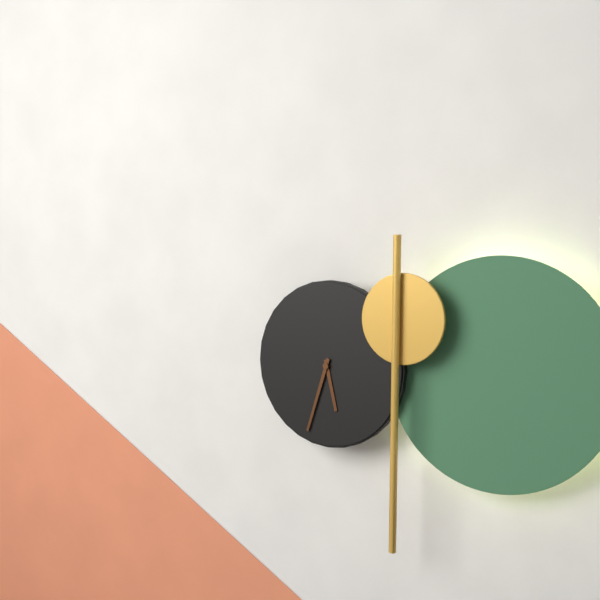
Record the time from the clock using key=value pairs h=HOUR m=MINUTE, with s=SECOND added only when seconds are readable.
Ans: h=5 m=33
